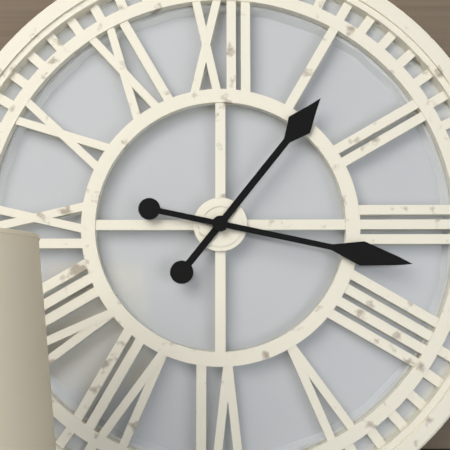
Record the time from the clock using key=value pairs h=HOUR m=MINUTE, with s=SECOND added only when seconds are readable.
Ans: h=1 m=17
